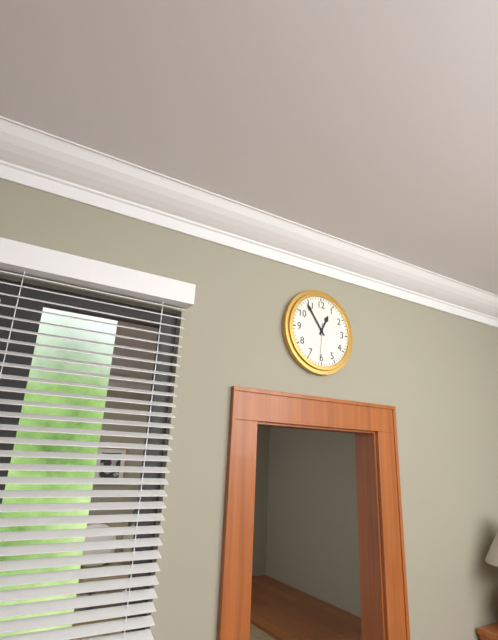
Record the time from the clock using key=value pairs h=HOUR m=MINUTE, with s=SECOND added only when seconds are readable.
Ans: h=12 m=54
